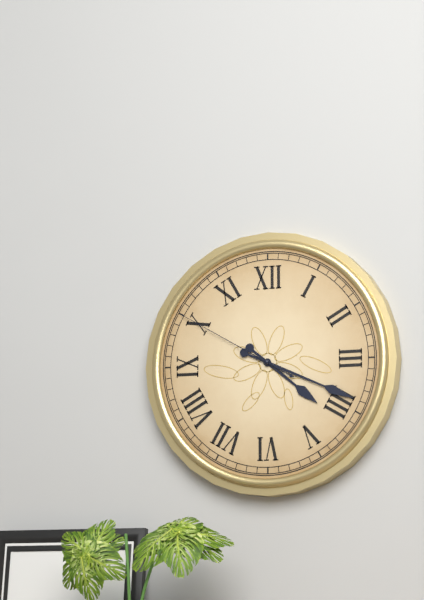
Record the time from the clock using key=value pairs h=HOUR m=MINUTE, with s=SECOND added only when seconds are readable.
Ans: h=4 m=19 s=50
